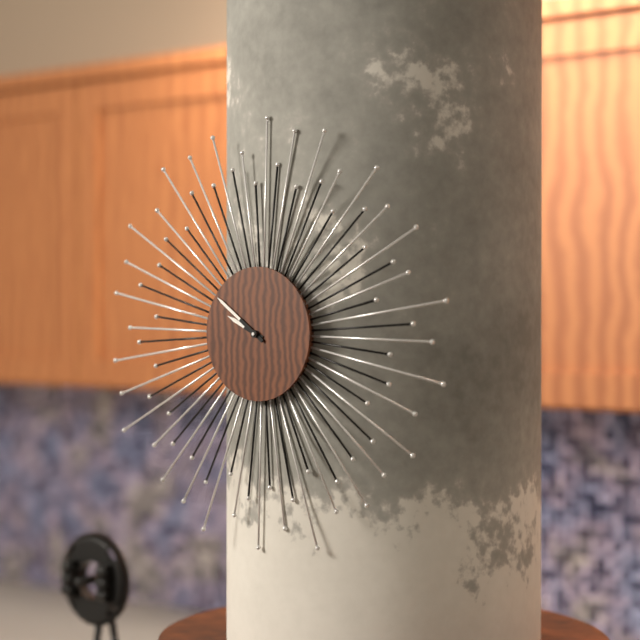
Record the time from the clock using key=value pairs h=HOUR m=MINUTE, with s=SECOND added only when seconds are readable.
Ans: h=9 m=51
